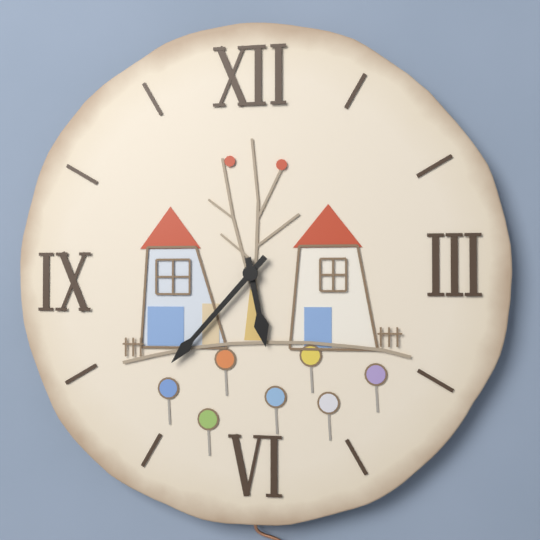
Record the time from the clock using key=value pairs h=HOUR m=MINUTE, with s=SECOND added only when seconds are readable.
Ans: h=5 m=37
